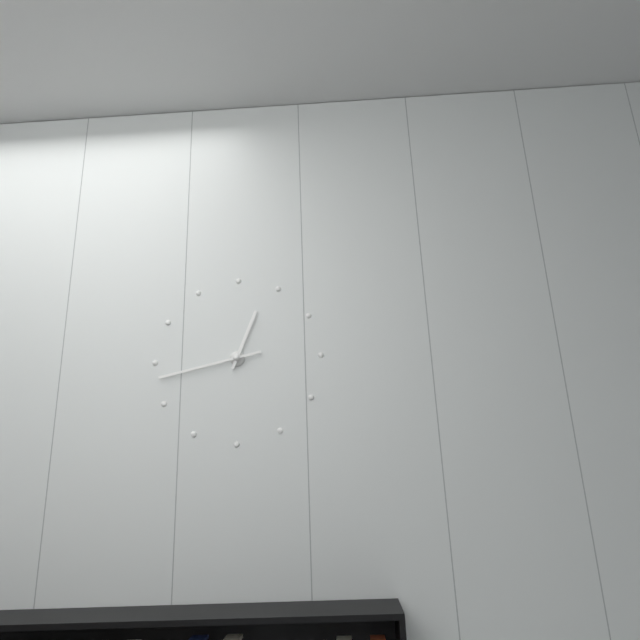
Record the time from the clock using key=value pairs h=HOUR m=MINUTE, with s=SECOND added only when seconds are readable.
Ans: h=12 m=43
